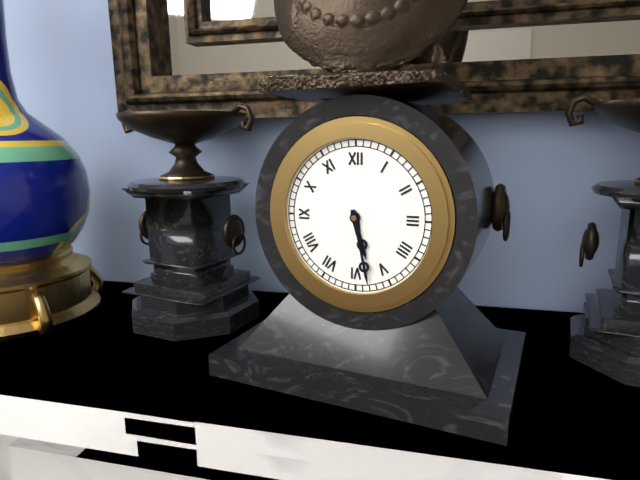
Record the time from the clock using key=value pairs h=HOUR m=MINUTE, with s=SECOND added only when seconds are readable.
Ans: h=5 m=28
